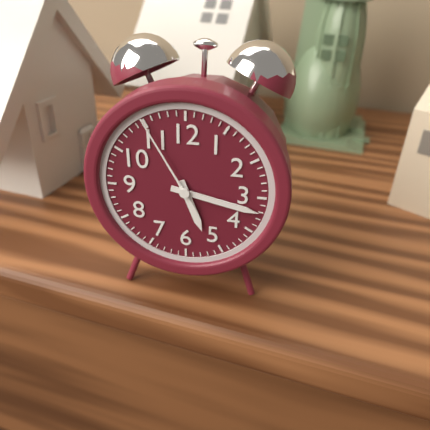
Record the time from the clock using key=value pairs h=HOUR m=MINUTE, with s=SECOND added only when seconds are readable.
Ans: h=5 m=17 s=55
